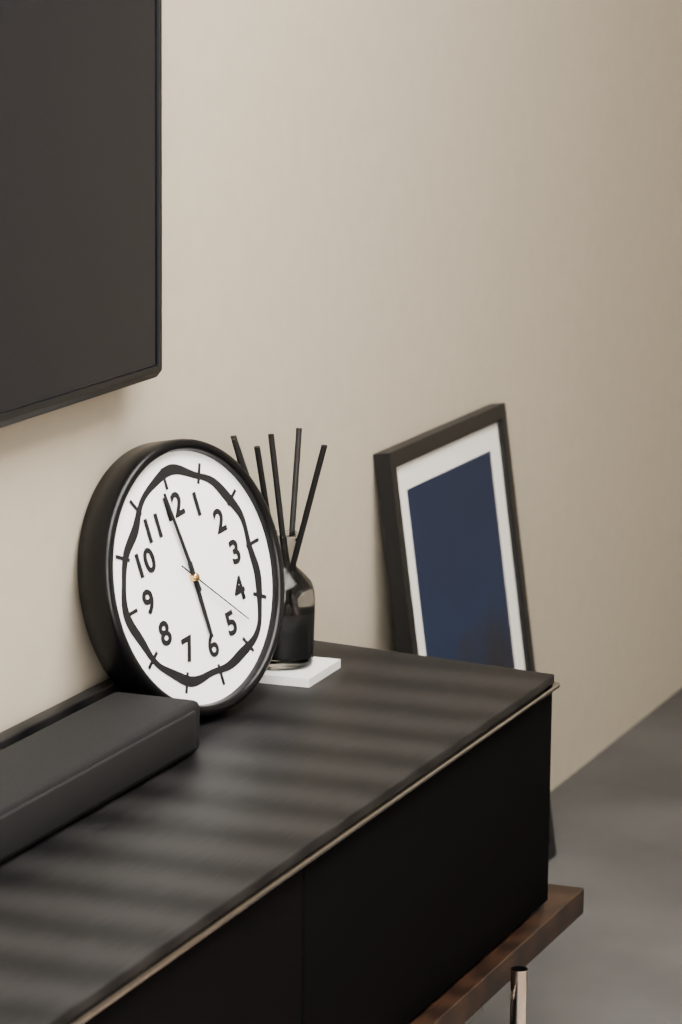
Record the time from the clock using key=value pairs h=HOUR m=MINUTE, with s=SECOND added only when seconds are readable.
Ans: h=5 m=59 s=23
